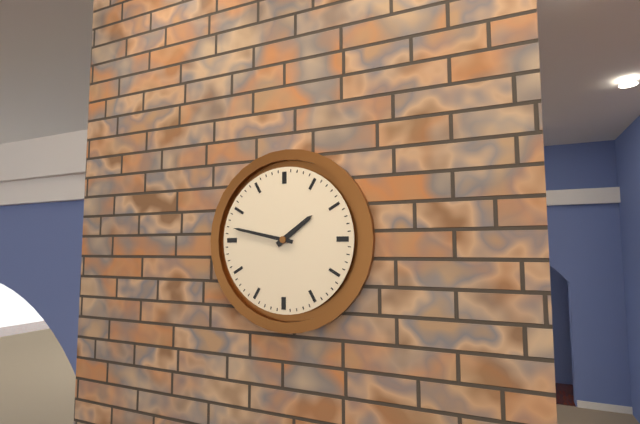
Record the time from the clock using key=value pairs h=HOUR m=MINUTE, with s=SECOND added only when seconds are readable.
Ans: h=1 m=47
